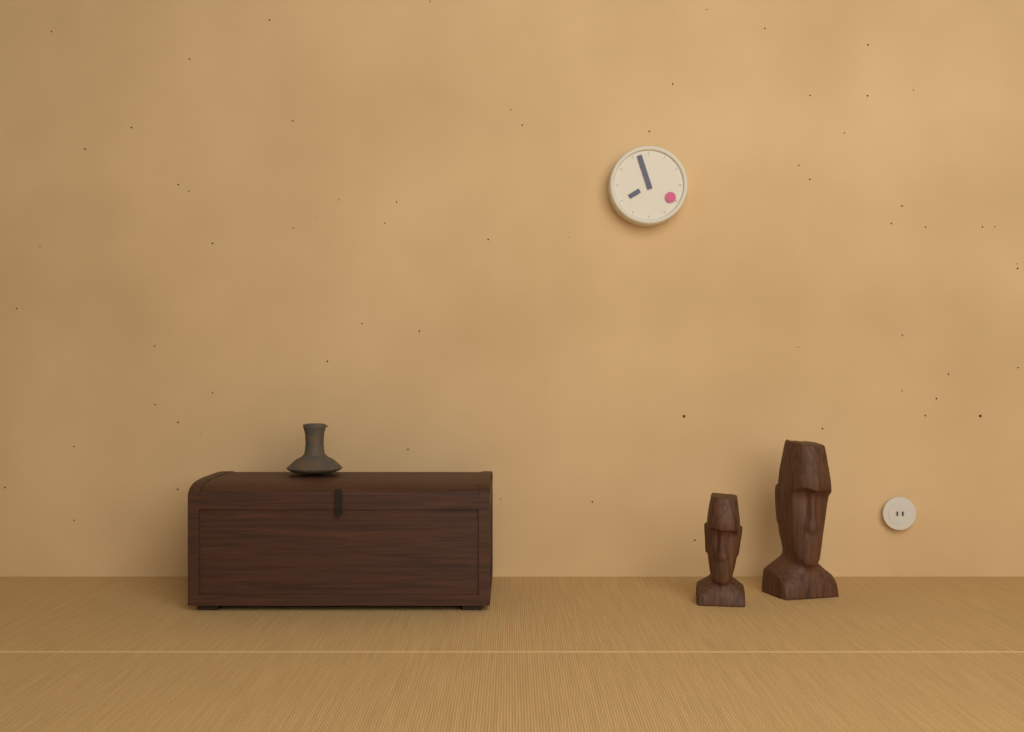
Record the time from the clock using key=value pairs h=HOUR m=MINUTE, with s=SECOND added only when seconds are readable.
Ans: h=7 m=57
